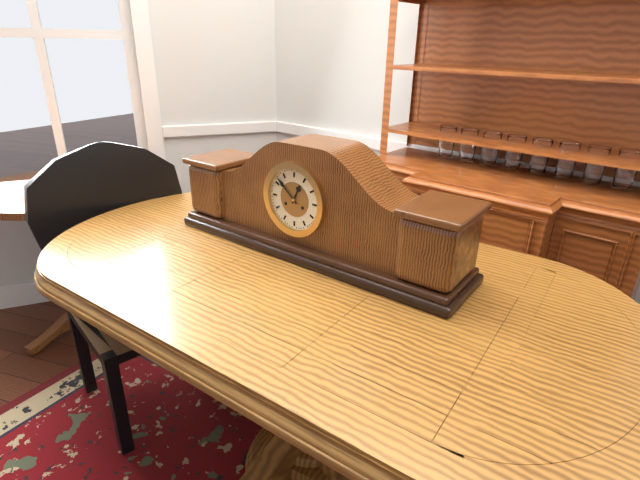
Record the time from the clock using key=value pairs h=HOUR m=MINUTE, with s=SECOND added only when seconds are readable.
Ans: h=12 m=52
